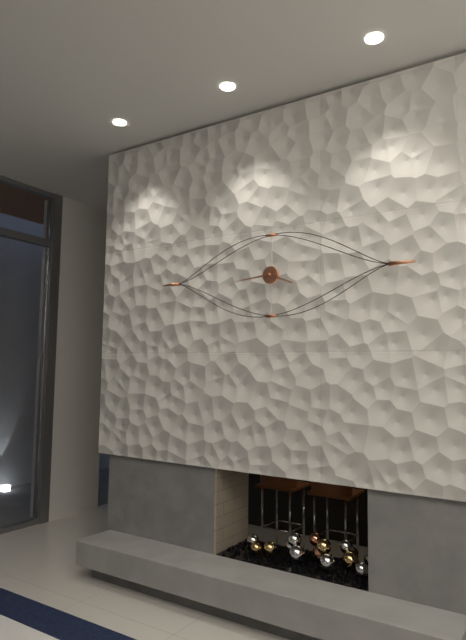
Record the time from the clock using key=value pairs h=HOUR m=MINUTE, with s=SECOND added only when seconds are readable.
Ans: h=3 m=44
